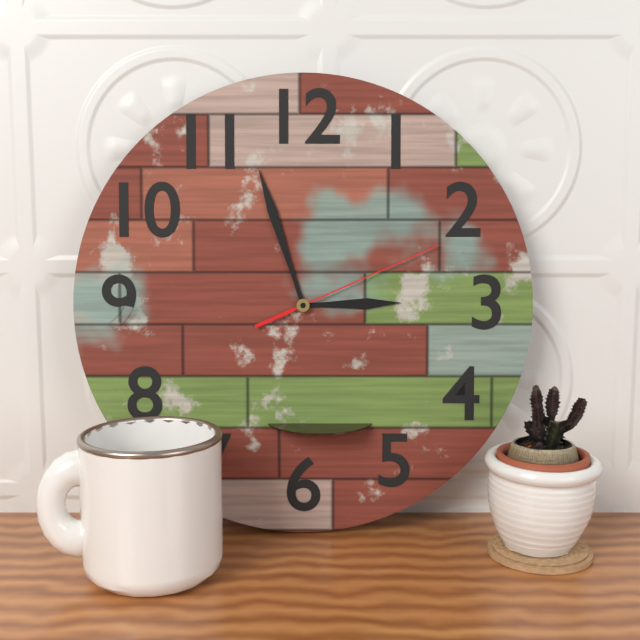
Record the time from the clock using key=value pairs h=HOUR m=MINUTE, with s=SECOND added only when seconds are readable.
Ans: h=2 m=57 s=11
